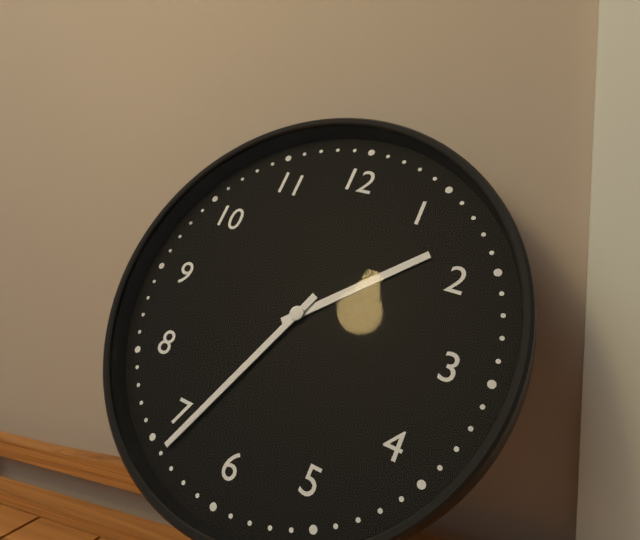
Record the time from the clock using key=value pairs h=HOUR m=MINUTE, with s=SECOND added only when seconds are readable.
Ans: h=1 m=34
